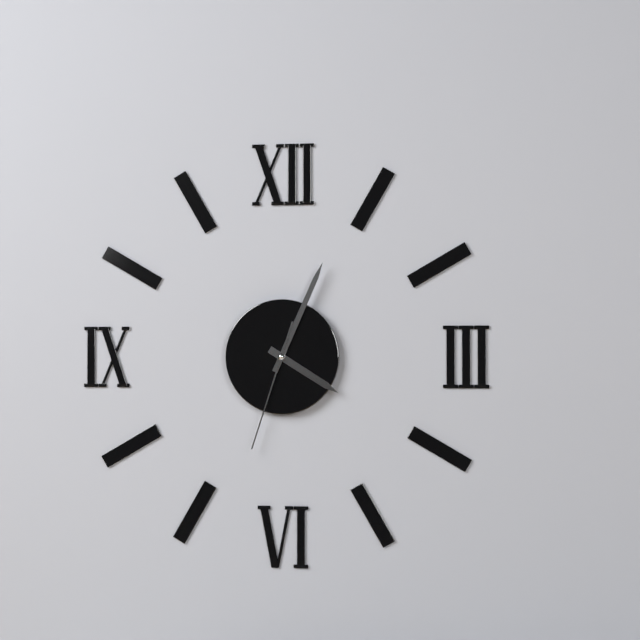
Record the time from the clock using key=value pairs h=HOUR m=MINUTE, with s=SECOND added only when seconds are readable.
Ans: h=4 m=4 s=33
